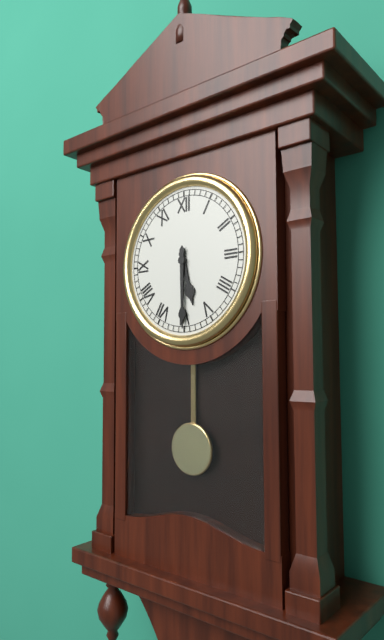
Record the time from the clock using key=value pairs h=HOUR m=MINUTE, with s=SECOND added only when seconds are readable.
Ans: h=5 m=30
